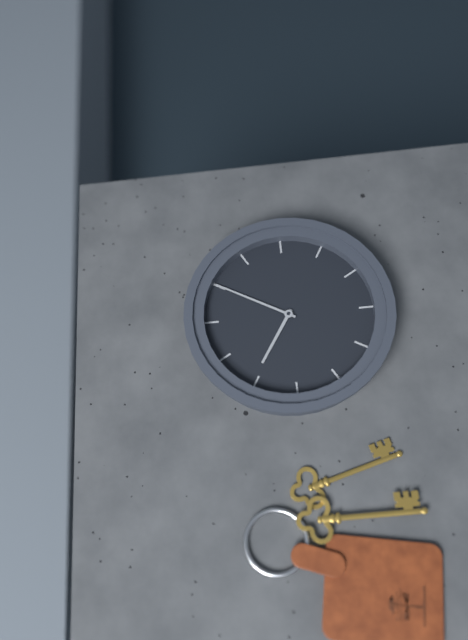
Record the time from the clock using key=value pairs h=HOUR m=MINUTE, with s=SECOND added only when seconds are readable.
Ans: h=10 m=5
